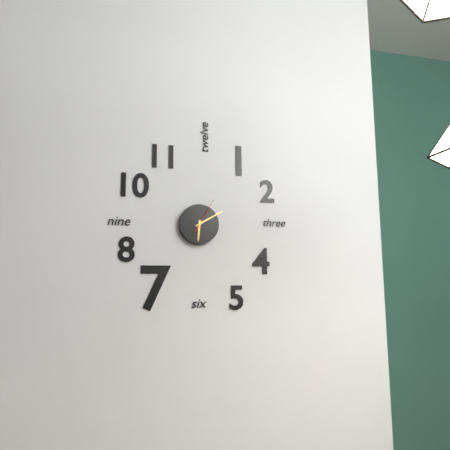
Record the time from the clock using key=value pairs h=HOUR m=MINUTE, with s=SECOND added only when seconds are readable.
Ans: h=6 m=10
